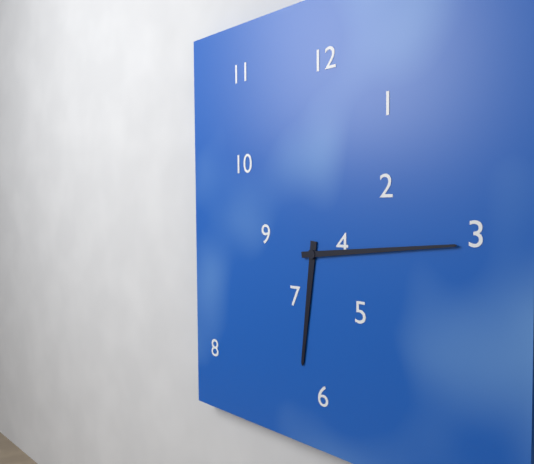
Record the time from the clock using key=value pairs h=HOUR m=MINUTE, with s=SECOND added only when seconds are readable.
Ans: h=6 m=14
